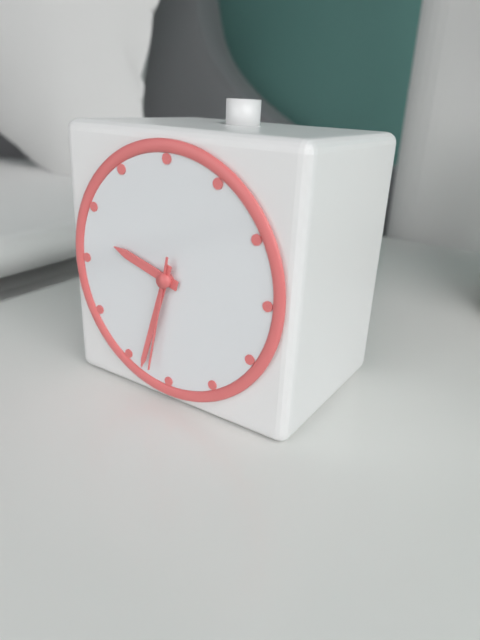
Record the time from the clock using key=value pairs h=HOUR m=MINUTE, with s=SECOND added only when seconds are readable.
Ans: h=9 m=33 s=32
